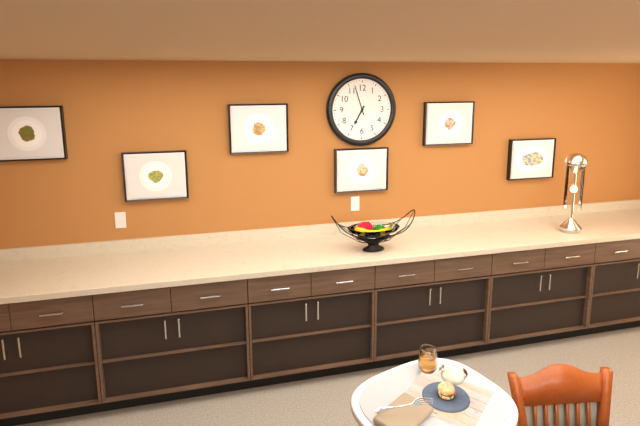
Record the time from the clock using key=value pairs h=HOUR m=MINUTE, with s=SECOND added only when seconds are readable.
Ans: h=6 m=57
